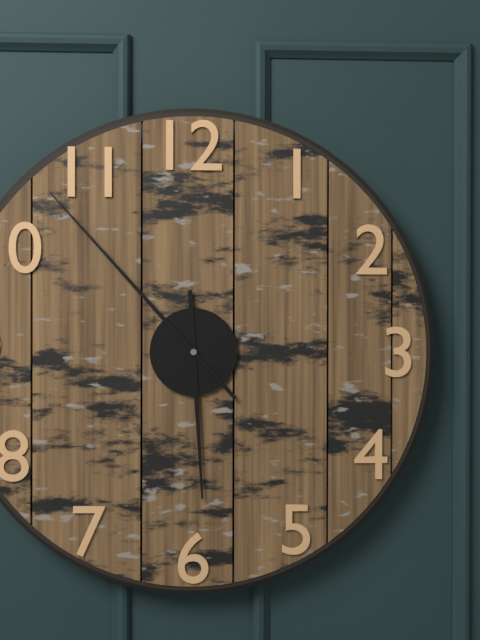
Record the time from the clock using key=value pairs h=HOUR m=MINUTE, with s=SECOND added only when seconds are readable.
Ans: h=5 m=53
